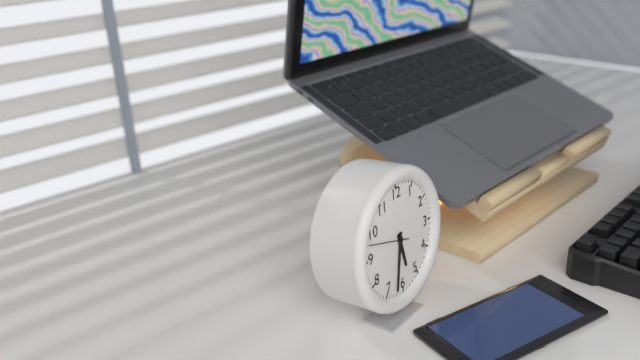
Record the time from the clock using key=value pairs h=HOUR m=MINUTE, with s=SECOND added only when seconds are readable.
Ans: h=5 m=32
